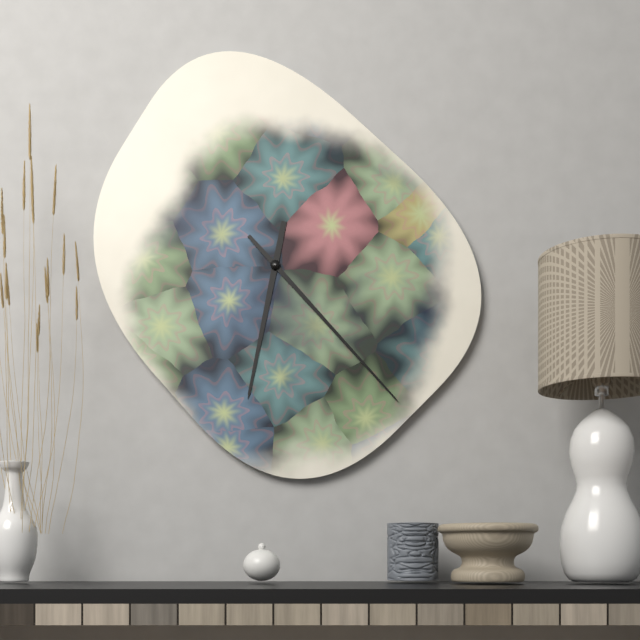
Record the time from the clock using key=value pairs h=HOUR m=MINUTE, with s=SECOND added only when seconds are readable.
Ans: h=6 m=23
